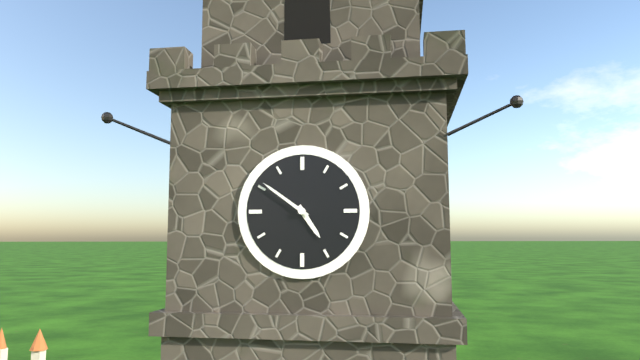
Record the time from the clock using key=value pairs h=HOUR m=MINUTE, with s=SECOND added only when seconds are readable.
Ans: h=4 m=51
